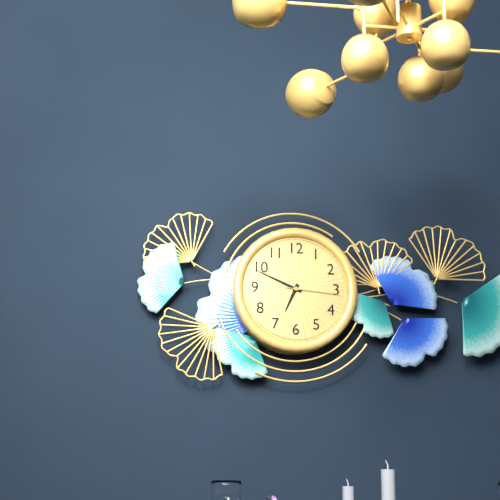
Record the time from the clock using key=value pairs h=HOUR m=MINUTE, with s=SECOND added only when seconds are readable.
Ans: h=6 m=49 s=16
